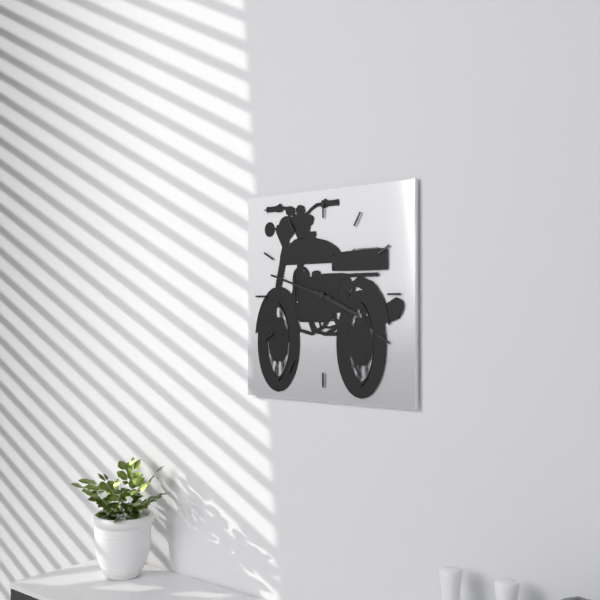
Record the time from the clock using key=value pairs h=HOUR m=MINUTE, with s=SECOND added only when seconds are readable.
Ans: h=3 m=48
